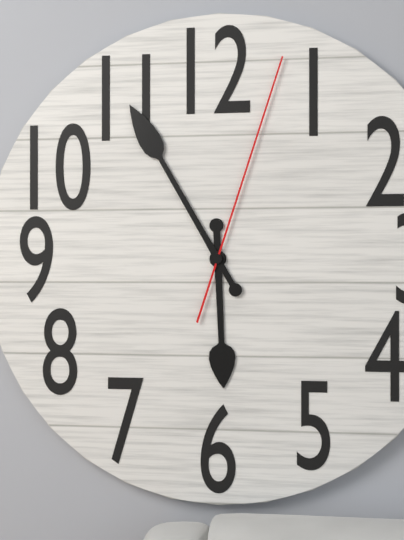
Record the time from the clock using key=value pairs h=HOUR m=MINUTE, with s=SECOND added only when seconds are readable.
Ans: h=5 m=55 s=3
